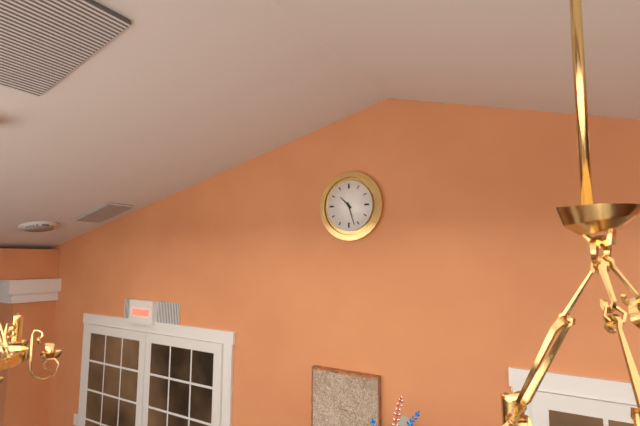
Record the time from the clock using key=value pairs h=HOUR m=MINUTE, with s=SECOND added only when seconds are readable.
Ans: h=10 m=27
